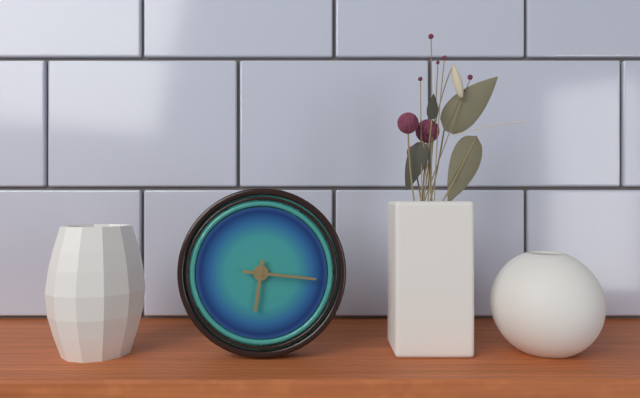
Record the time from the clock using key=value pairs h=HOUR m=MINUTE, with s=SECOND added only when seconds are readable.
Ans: h=6 m=16
